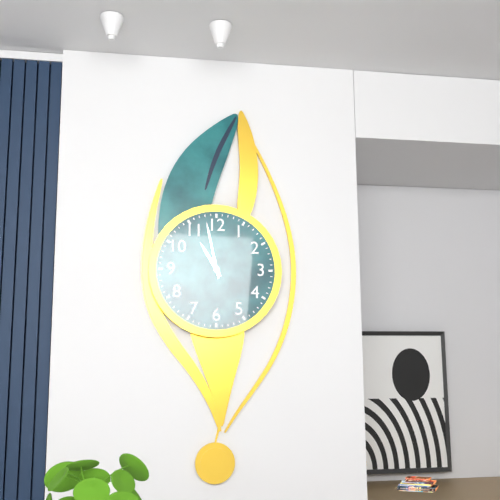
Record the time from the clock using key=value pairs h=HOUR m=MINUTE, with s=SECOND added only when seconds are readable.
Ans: h=10 m=58
